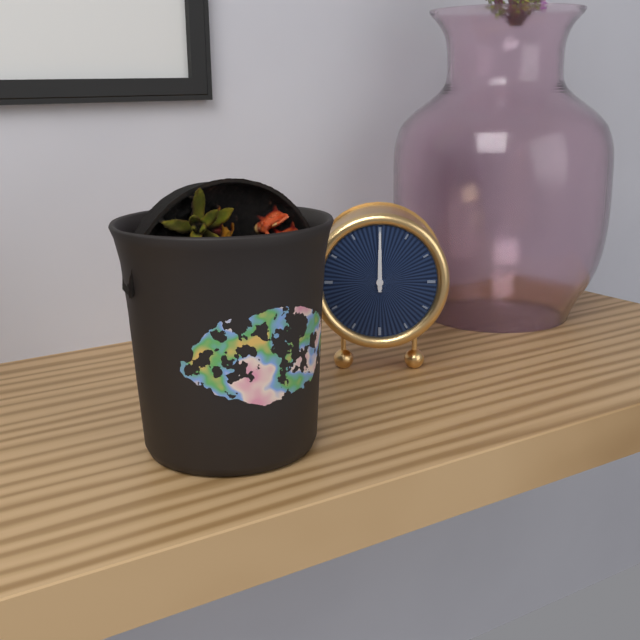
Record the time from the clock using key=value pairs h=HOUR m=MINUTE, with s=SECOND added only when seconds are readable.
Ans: h=12 m=0
